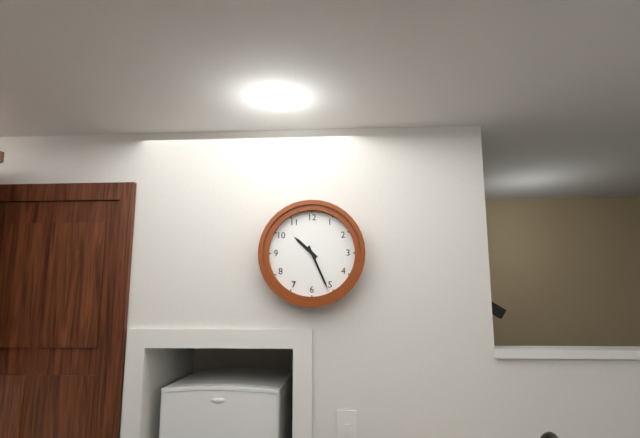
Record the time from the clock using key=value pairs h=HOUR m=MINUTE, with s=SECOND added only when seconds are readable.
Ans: h=10 m=26
